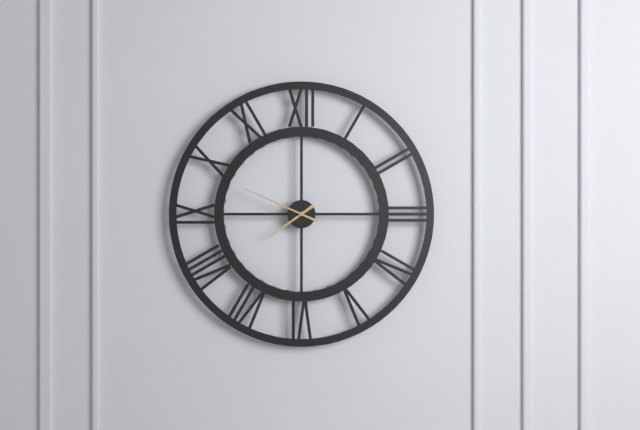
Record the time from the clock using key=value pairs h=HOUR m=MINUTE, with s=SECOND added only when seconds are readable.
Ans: h=7 m=49
